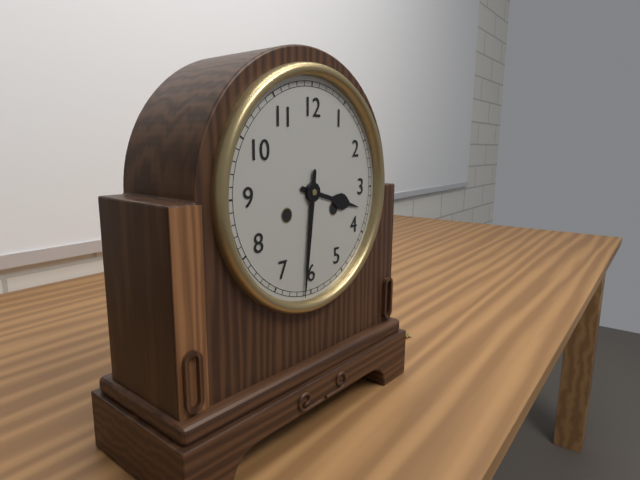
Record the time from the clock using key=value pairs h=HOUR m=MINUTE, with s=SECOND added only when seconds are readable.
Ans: h=3 m=31
